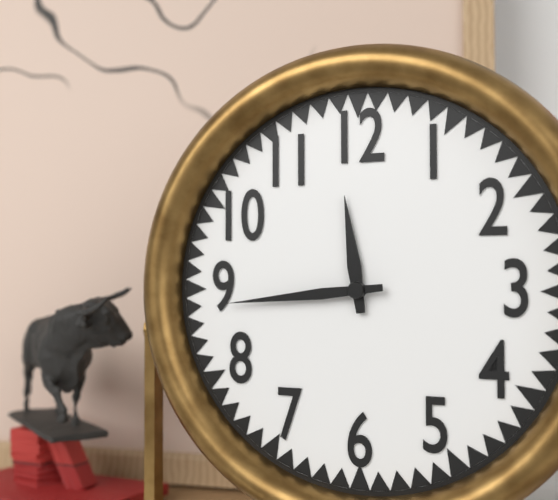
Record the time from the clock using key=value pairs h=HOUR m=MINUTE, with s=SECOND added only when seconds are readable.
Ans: h=11 m=44
